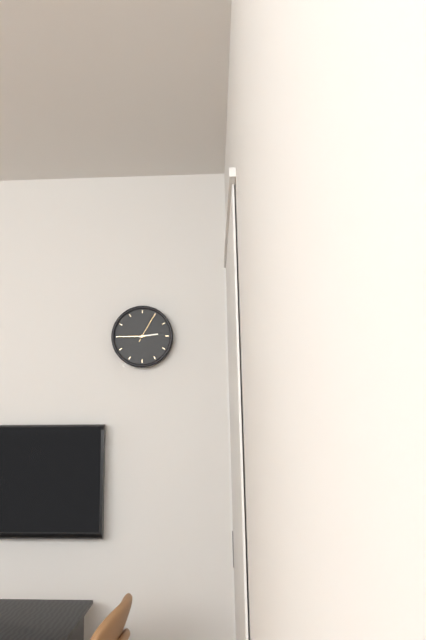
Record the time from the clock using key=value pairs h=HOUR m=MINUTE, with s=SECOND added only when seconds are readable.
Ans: h=2 m=45
